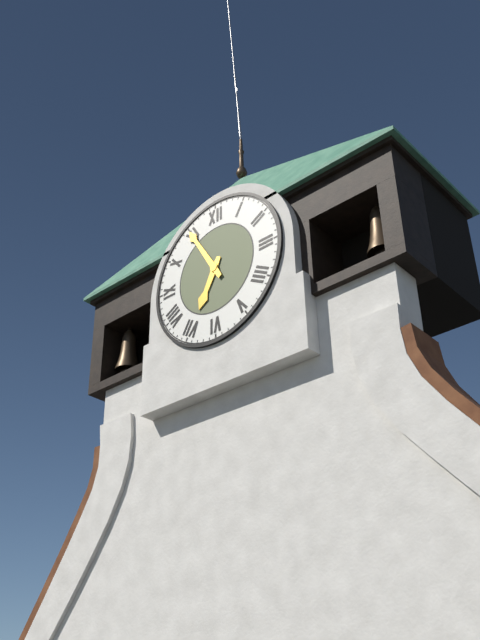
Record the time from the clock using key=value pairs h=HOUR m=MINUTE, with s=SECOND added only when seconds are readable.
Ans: h=6 m=55
